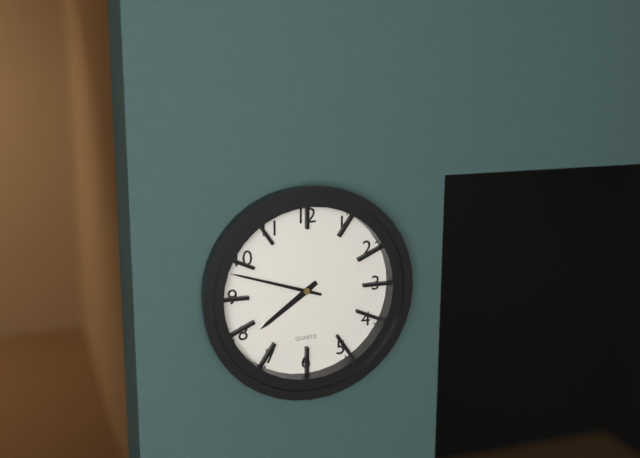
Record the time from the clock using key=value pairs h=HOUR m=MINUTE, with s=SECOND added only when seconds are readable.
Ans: h=7 m=48
